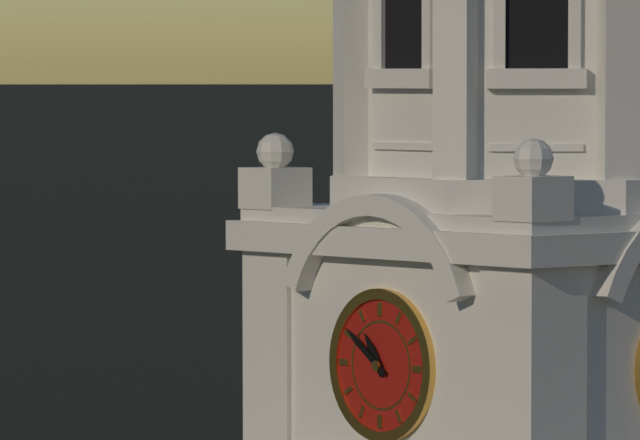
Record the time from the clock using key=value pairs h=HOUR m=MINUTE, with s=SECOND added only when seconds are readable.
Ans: h=10 m=51
